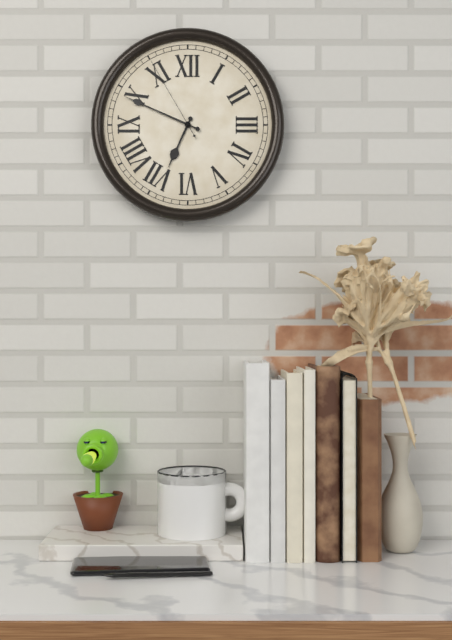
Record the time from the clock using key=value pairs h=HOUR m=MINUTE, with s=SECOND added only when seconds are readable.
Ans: h=6 m=49 s=55
